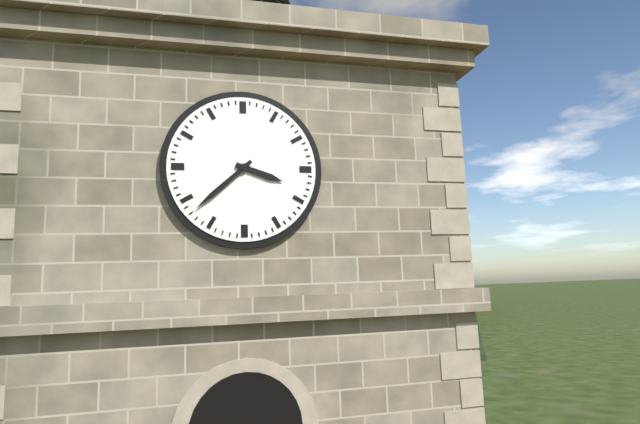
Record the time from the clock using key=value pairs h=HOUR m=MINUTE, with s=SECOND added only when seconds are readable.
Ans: h=3 m=38
